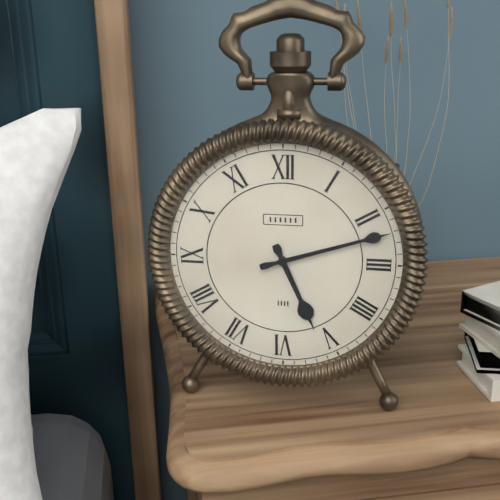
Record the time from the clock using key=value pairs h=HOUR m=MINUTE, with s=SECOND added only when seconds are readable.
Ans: h=5 m=12
